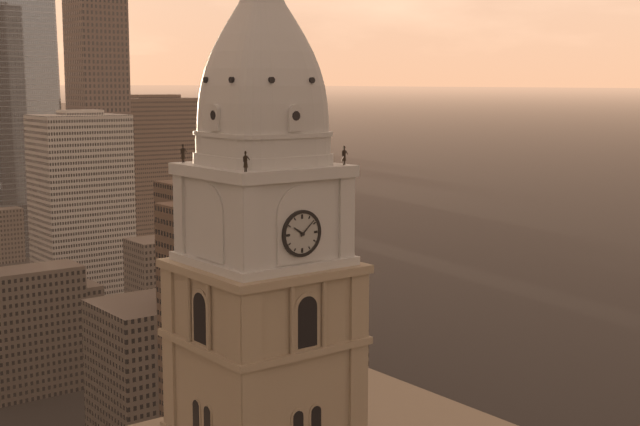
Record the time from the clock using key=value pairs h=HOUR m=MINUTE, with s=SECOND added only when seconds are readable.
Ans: h=10 m=8
